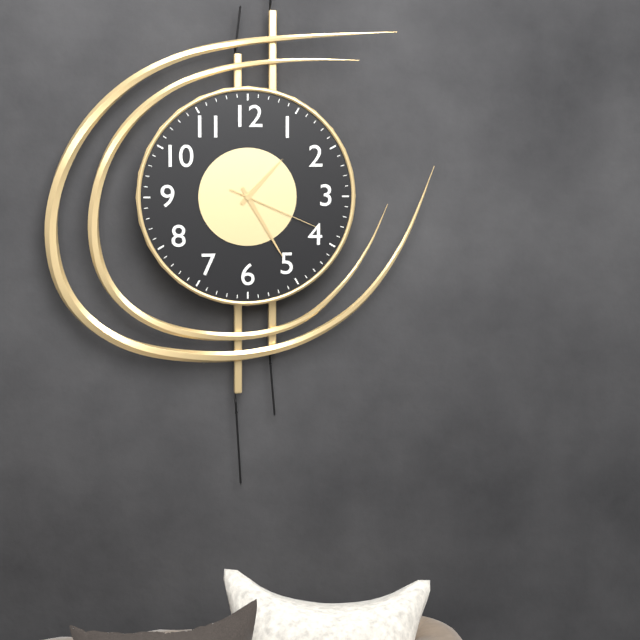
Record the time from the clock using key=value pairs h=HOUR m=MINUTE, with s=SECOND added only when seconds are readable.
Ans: h=1 m=25 s=19
